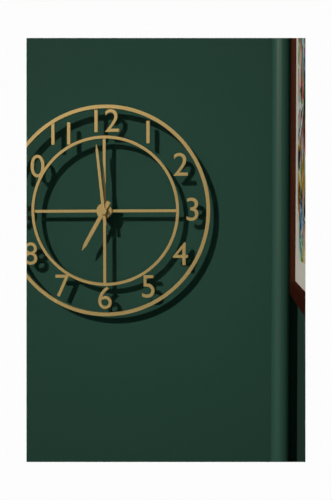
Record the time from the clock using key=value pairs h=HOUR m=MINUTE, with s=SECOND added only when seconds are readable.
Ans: h=6 m=59
